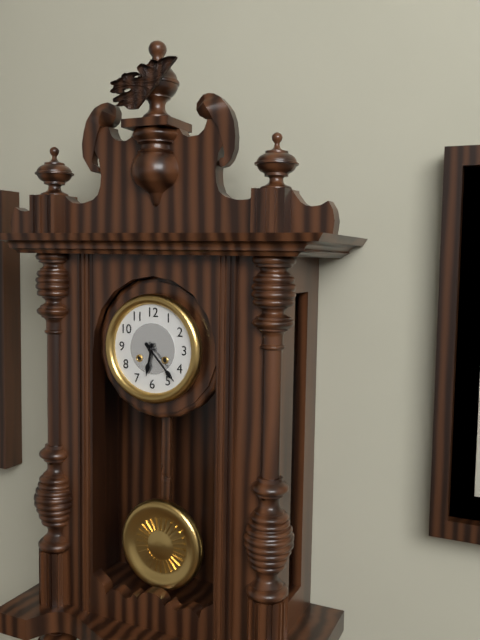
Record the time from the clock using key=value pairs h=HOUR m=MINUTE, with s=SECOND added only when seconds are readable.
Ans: h=6 m=23
